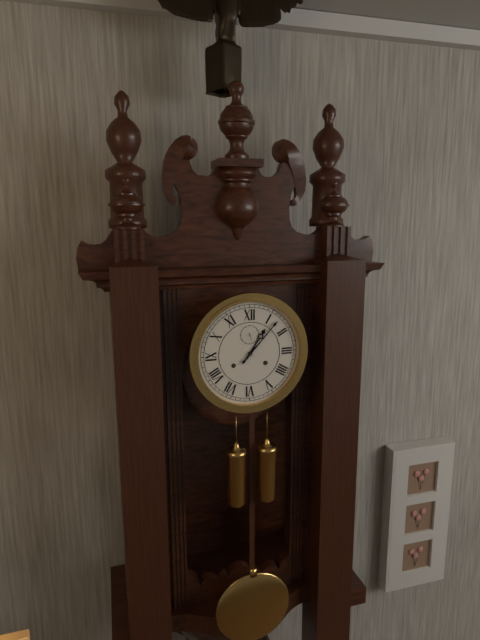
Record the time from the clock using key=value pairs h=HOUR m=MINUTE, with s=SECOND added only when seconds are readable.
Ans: h=1 m=7
